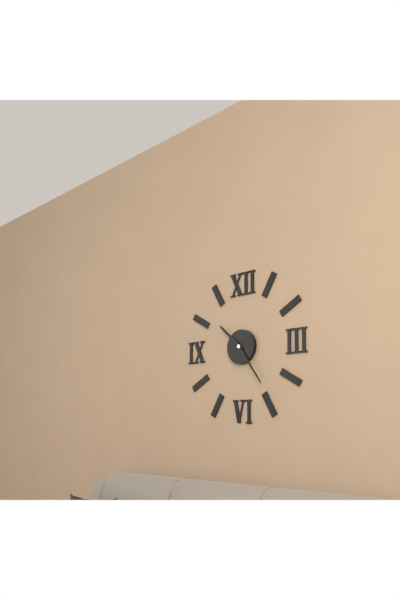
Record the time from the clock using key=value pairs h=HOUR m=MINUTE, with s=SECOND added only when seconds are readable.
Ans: h=10 m=24
